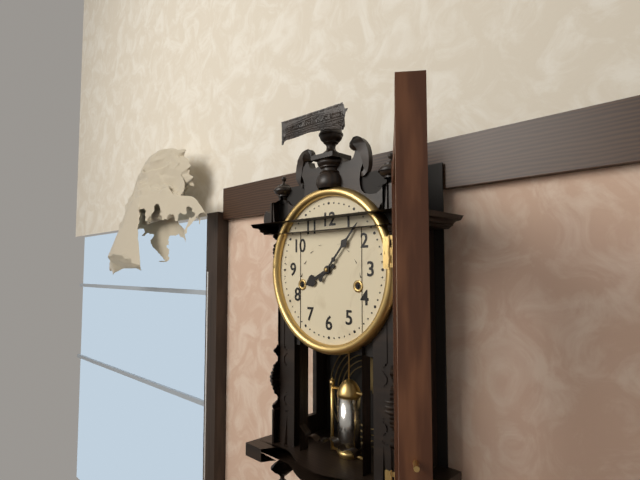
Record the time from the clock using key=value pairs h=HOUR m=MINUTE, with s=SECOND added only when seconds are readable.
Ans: h=8 m=7
